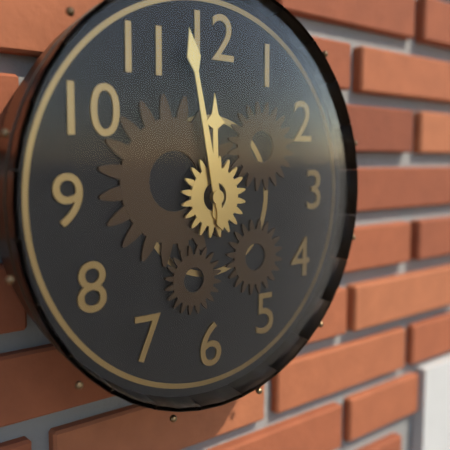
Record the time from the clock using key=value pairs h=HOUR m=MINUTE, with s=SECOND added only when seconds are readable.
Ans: h=11 m=58
